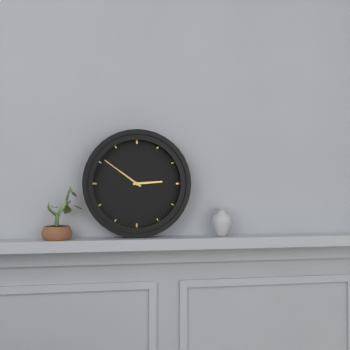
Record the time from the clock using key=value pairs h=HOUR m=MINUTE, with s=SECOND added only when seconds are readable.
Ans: h=2 m=51
